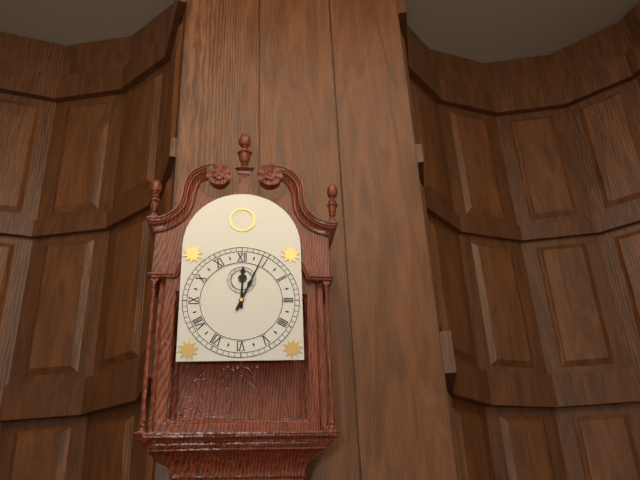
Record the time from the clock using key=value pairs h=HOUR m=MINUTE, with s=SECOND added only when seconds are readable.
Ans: h=12 m=4
